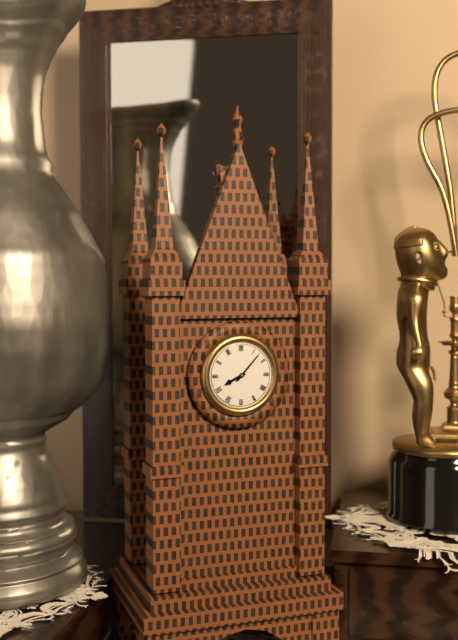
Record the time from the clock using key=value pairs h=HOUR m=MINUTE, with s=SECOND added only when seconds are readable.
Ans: h=8 m=7
